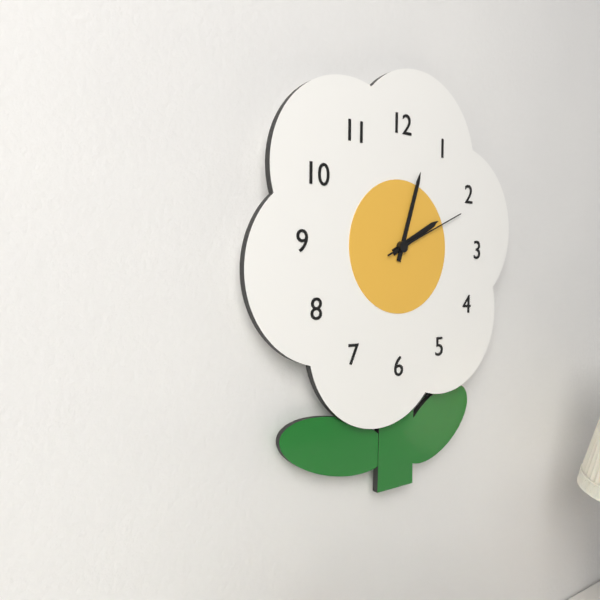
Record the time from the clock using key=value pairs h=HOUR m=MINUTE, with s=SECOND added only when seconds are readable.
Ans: h=2 m=3 s=11
